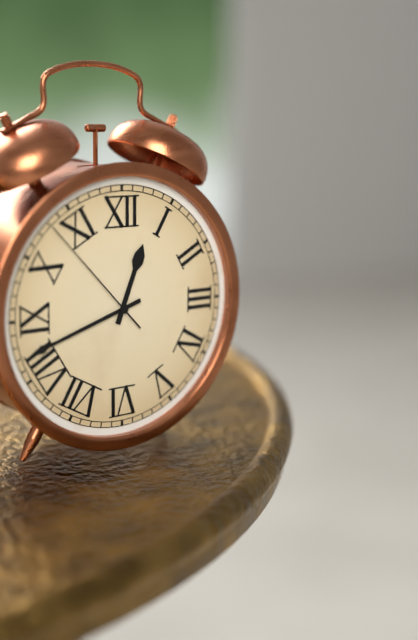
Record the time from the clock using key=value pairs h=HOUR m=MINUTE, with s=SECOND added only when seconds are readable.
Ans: h=12 m=42 s=53
